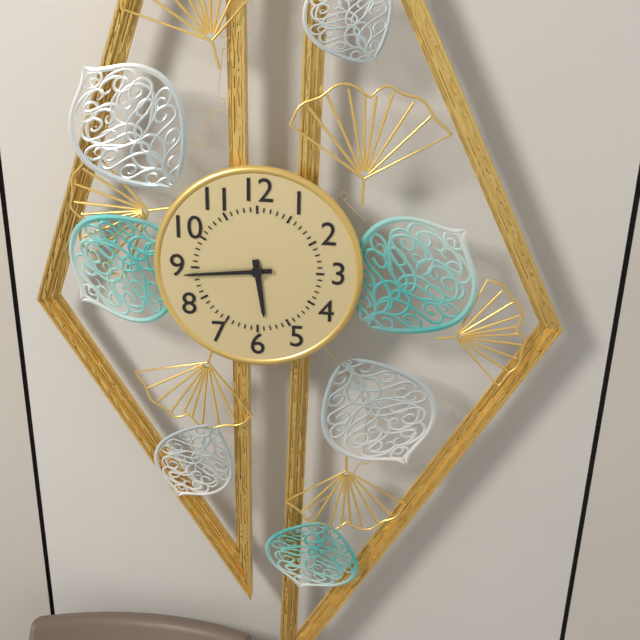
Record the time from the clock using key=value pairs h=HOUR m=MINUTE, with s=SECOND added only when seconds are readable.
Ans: h=5 m=44
